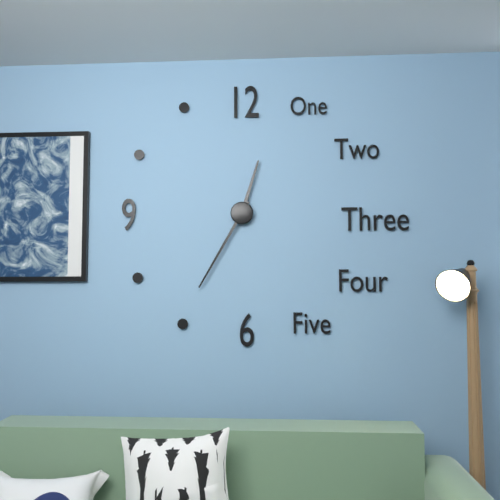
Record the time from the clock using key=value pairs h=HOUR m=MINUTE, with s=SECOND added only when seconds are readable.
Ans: h=12 m=35
